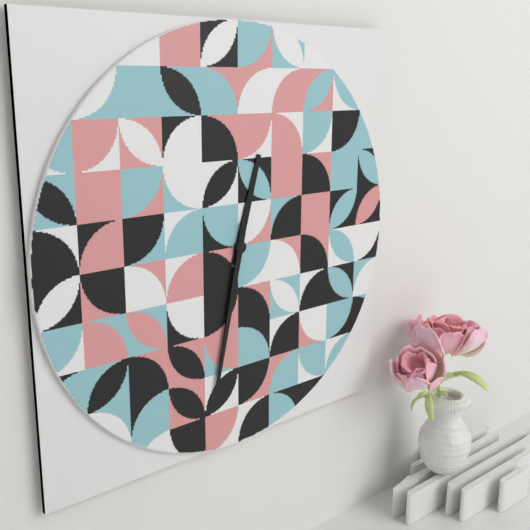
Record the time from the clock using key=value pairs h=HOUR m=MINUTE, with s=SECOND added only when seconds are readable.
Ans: h=12 m=32
